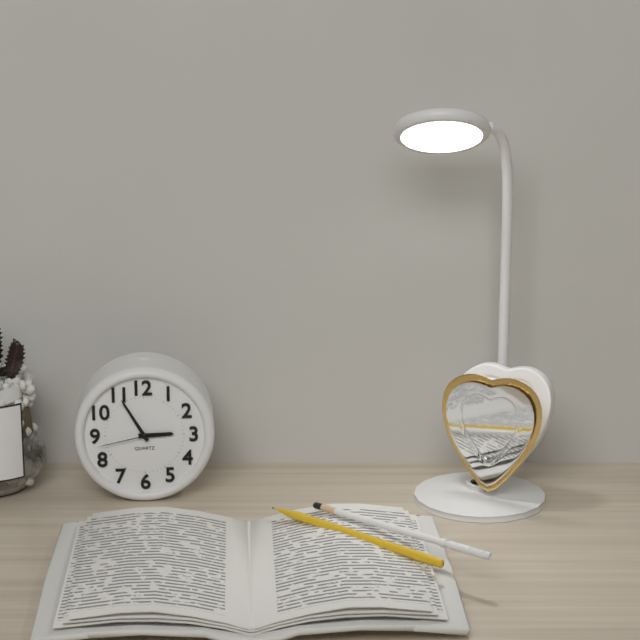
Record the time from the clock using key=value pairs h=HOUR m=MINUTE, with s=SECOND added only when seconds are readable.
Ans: h=2 m=55 s=43
